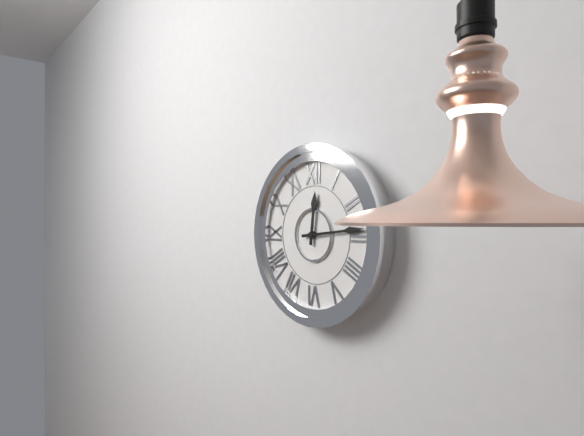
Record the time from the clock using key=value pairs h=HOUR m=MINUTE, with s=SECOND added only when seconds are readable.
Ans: h=12 m=14
